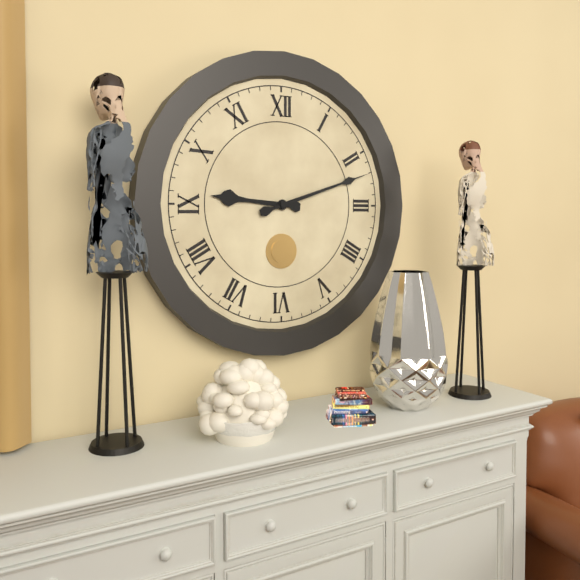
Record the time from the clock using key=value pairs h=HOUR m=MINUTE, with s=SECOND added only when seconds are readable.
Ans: h=9 m=12
